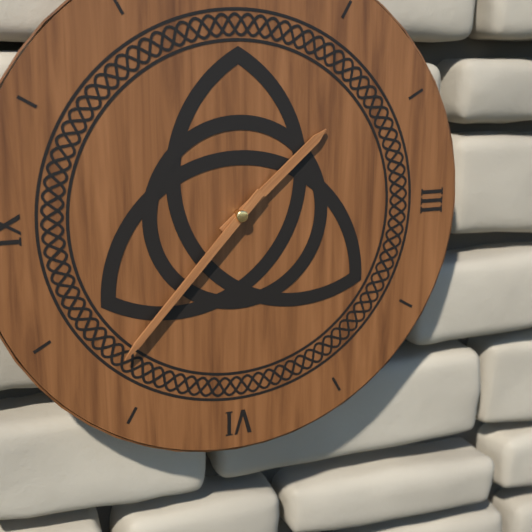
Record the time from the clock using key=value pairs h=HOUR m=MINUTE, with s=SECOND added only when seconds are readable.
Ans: h=1 m=37
